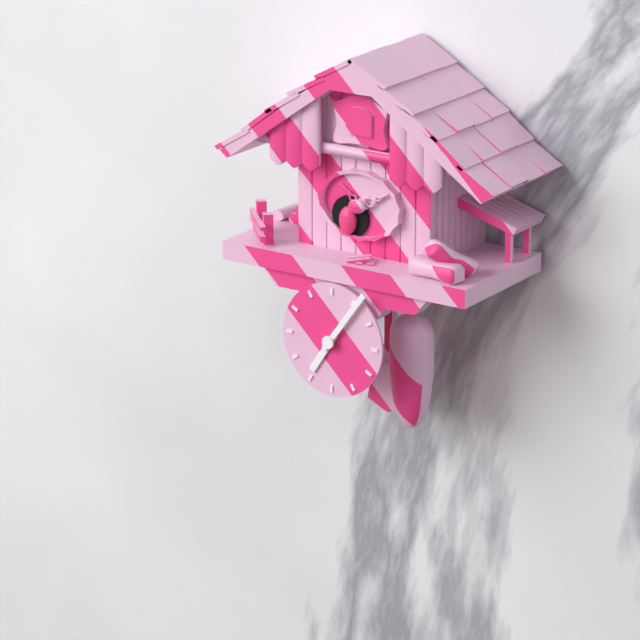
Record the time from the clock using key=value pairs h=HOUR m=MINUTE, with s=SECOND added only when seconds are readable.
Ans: h=7 m=6
